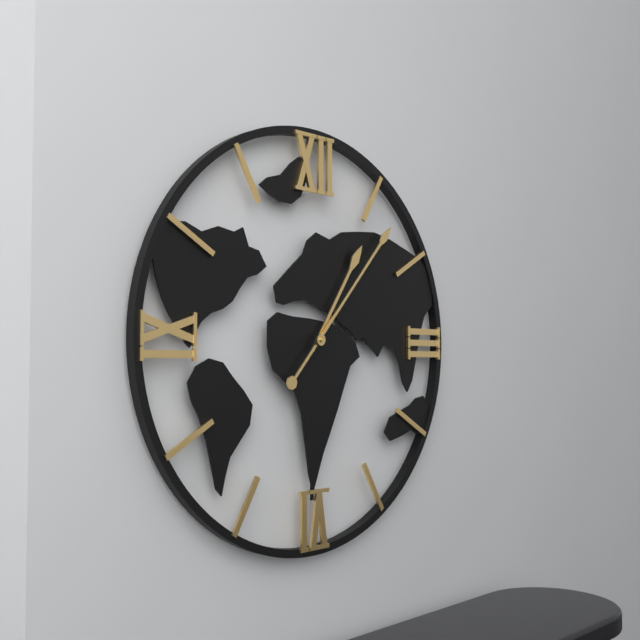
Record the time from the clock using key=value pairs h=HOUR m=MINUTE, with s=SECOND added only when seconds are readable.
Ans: h=1 m=7
